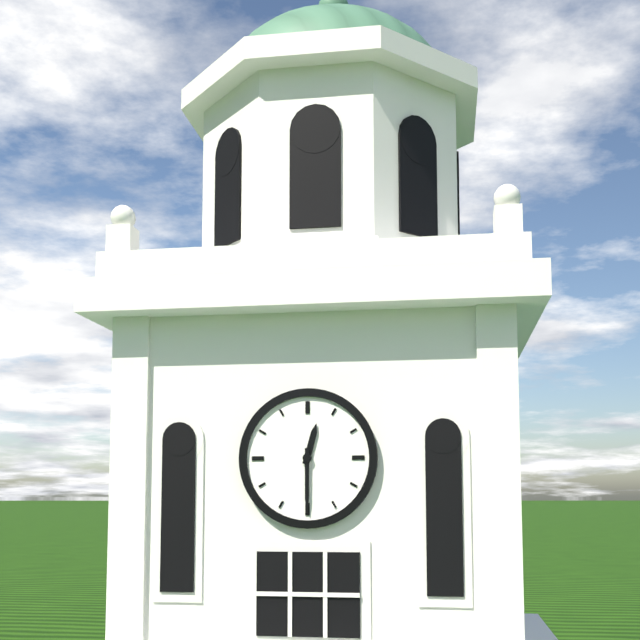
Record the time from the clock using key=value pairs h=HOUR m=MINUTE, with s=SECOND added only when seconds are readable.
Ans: h=12 m=30
